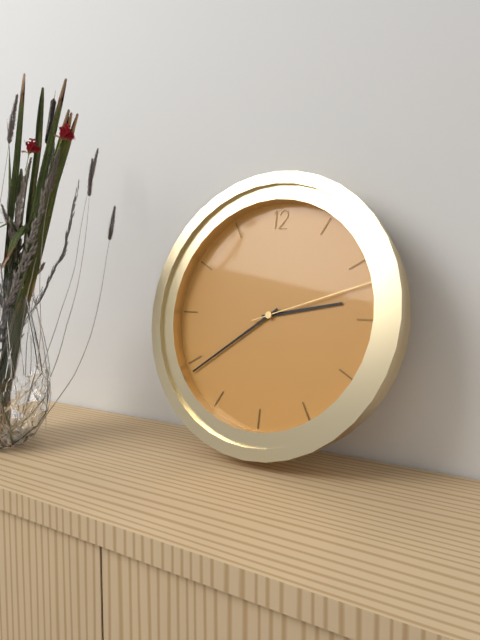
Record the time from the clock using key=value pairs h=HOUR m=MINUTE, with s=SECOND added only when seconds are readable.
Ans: h=2 m=39 s=12
